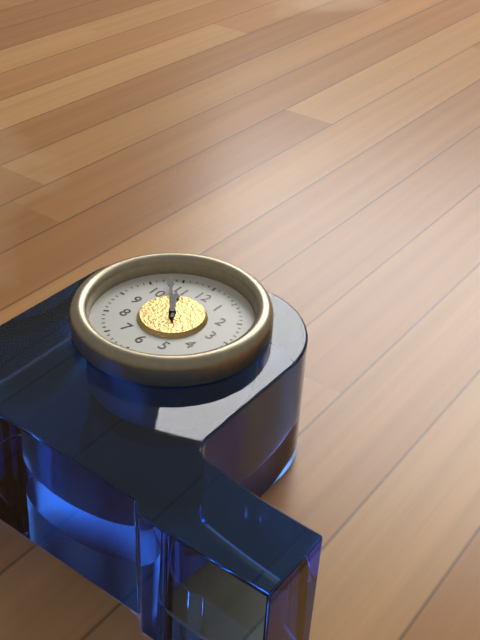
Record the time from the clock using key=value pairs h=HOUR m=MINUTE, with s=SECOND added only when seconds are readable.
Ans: h=10 m=53
